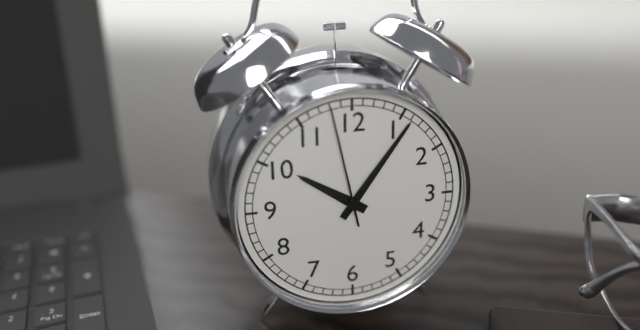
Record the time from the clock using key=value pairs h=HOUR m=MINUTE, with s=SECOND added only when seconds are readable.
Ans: h=10 m=6 s=58
